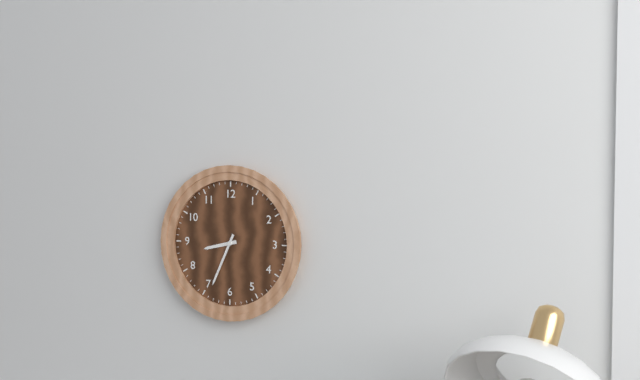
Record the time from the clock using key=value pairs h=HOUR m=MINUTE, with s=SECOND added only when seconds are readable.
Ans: h=8 m=34
